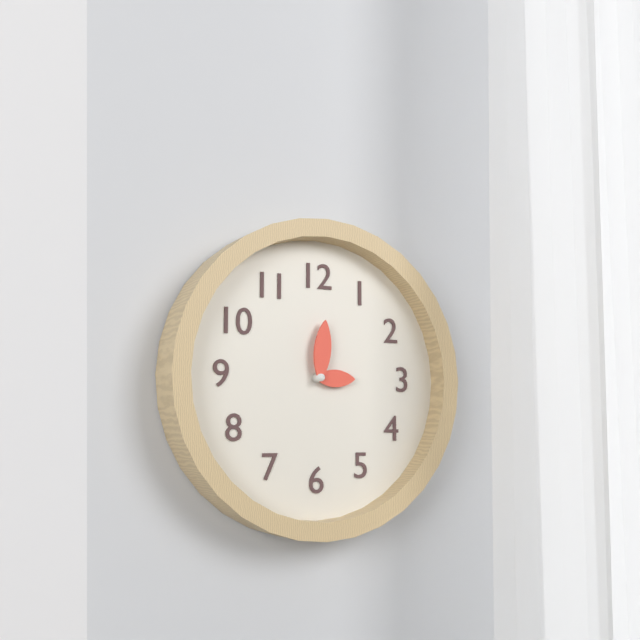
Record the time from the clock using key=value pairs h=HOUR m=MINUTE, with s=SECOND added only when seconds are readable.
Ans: h=3 m=1
